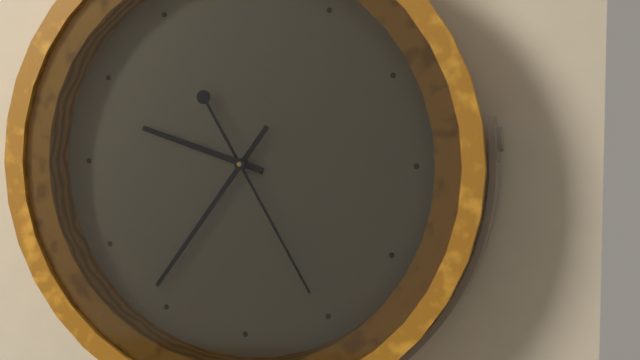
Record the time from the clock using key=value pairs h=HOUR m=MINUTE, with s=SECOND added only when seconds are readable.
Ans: h=9 m=36 s=25
